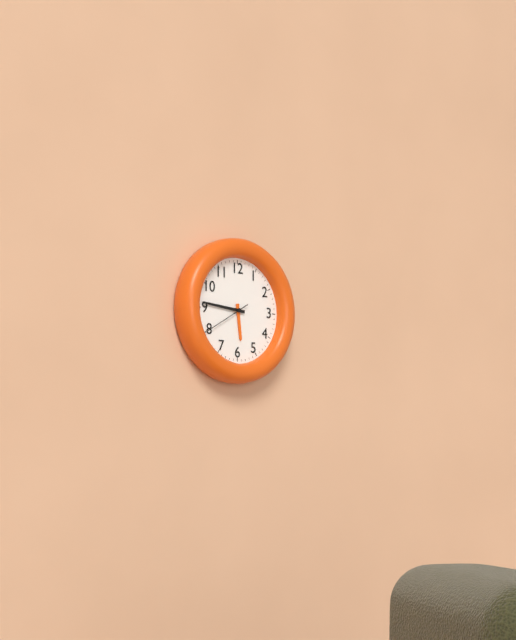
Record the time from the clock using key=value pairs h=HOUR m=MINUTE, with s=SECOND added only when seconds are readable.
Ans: h=5 m=46
